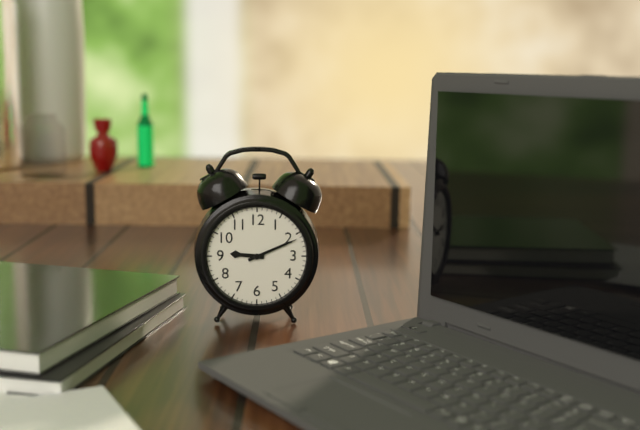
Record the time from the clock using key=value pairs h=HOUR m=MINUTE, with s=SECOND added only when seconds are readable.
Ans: h=9 m=11
